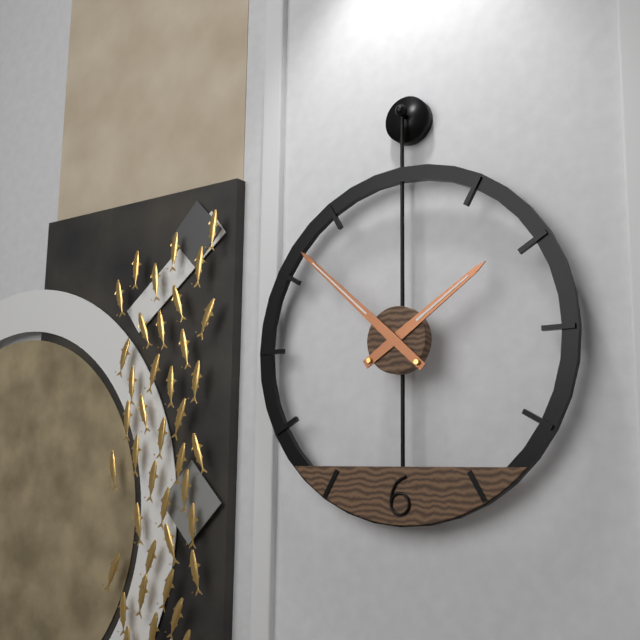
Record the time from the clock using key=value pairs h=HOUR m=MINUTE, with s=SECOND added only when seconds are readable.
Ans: h=1 m=52
